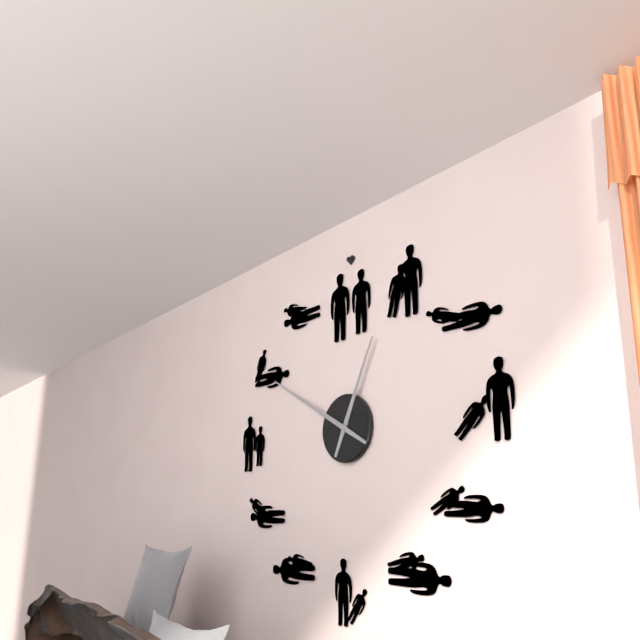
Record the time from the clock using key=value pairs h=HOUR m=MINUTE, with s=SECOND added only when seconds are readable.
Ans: h=12 m=50
